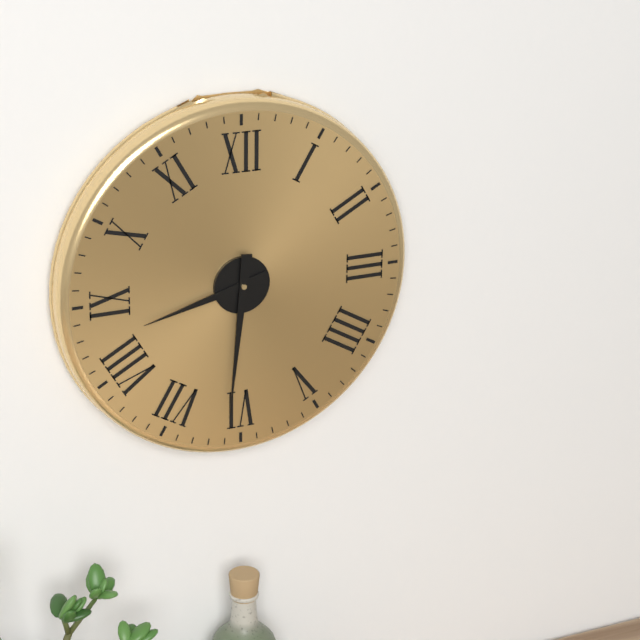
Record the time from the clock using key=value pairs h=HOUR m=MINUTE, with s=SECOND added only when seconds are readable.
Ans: h=8 m=31
